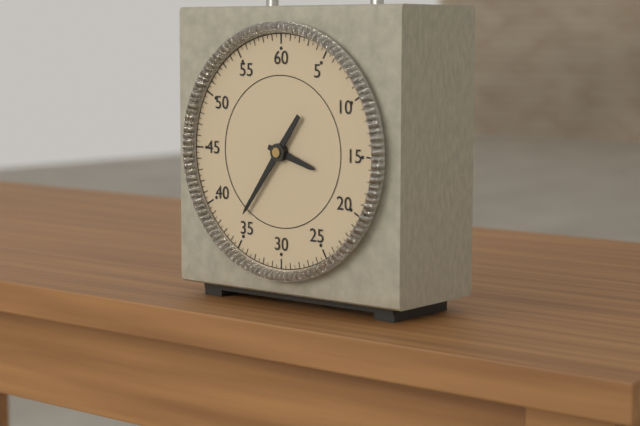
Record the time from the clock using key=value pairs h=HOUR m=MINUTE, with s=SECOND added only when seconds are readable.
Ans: h=3 m=36
